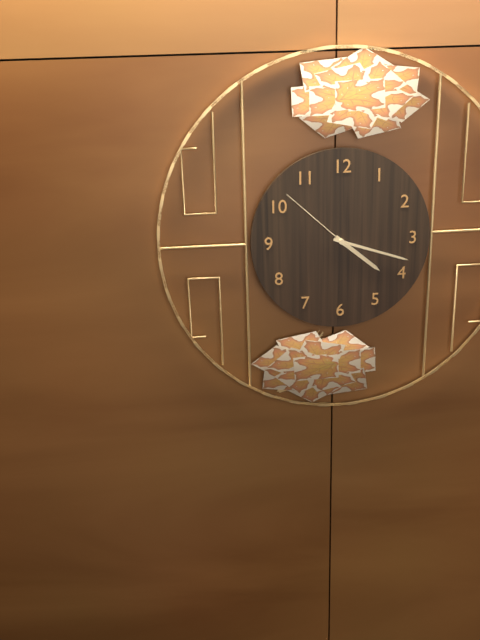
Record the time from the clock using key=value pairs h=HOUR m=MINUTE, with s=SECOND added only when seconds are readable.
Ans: h=4 m=18 s=52
